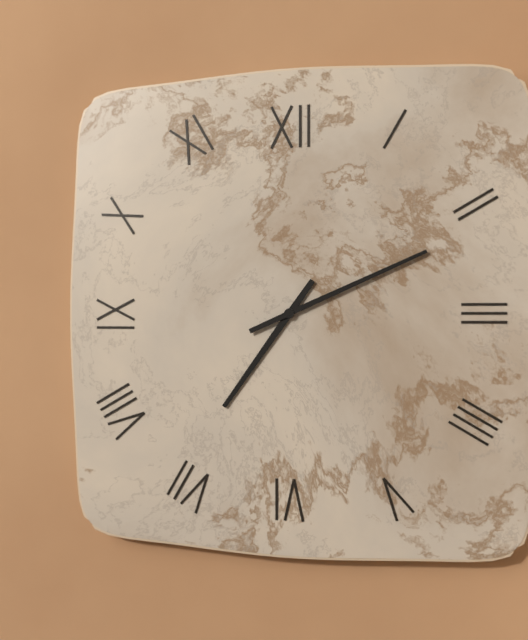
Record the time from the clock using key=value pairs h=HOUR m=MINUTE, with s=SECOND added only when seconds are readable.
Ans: h=7 m=11
